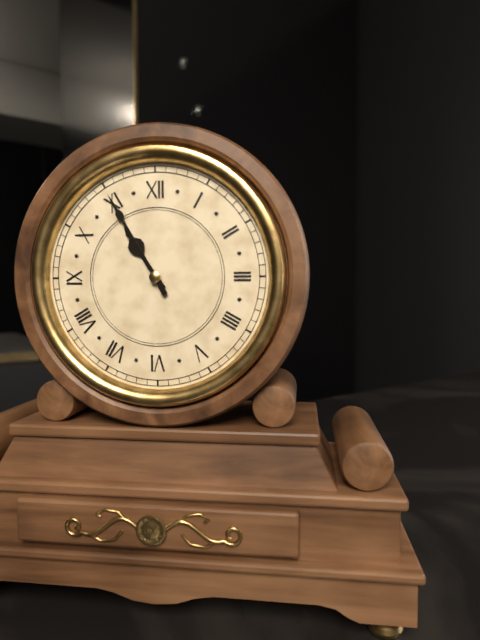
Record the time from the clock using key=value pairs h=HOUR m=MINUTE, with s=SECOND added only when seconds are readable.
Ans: h=10 m=55
